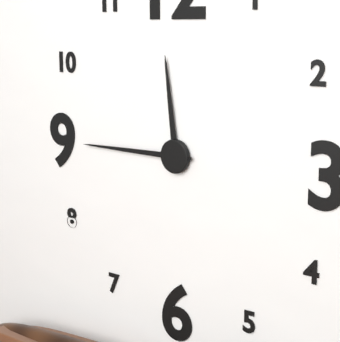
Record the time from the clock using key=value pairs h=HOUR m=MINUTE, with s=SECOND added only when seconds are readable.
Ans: h=11 m=45
